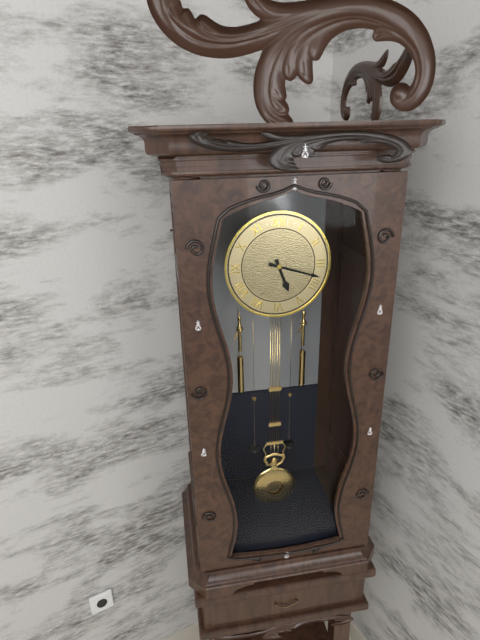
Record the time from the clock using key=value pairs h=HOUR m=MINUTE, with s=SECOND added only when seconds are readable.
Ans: h=5 m=18
